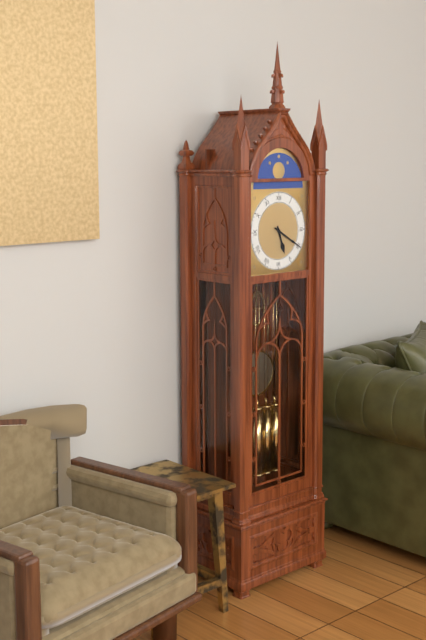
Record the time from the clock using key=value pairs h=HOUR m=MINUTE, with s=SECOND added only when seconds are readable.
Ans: h=5 m=20
